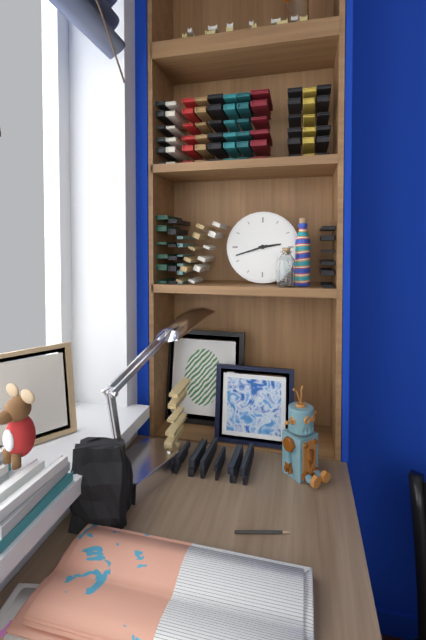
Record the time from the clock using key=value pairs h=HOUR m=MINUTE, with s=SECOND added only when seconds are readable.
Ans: h=2 m=42
